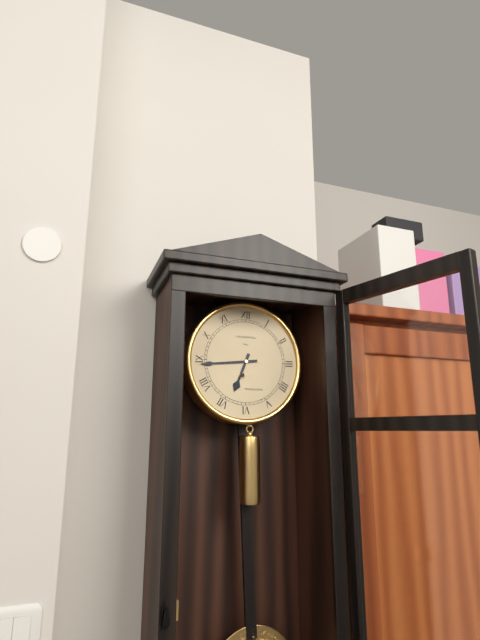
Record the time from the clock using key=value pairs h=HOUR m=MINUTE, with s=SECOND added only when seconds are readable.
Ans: h=6 m=44
